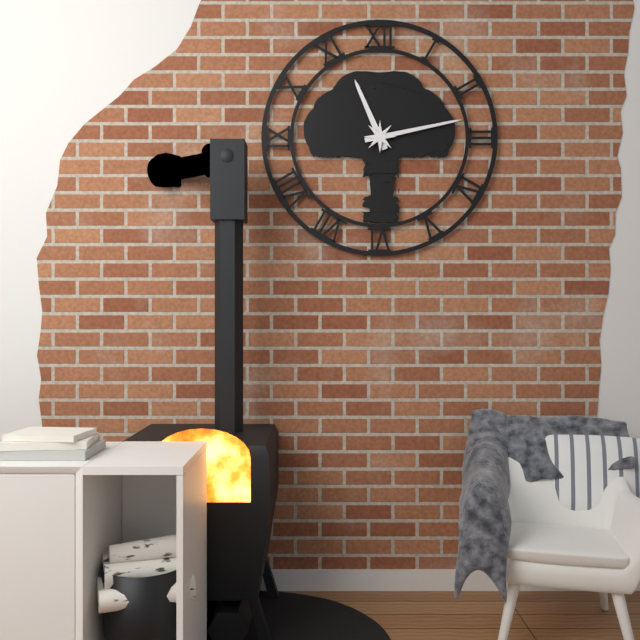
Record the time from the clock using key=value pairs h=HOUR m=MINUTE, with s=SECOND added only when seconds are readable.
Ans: h=11 m=13
